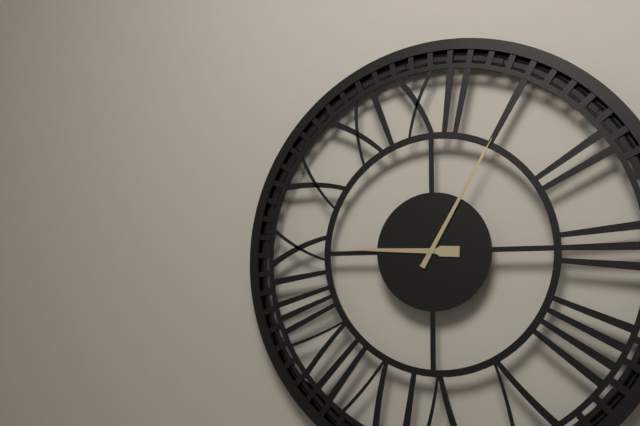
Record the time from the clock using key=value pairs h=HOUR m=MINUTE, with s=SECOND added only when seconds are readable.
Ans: h=9 m=5
